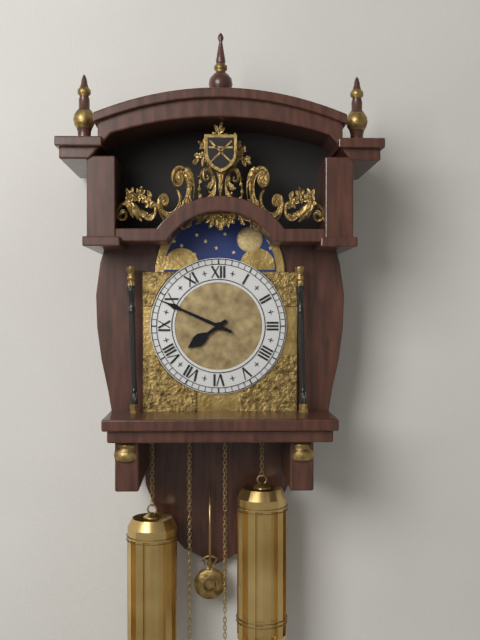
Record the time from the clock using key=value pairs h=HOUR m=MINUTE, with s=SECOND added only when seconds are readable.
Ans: h=7 m=49
